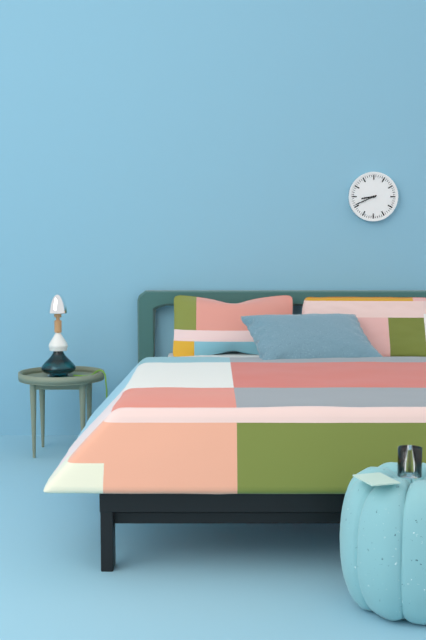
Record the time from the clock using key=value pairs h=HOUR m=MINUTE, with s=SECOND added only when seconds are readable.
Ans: h=8 m=41
